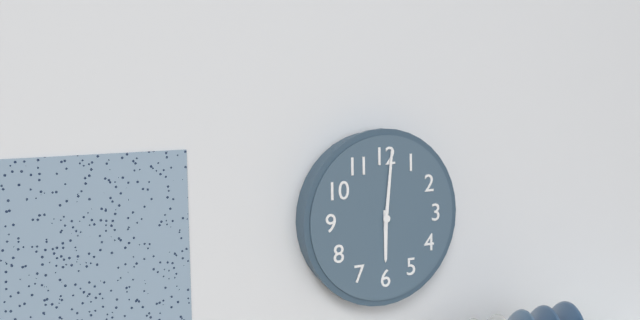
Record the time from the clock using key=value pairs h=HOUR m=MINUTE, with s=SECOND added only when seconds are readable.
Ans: h=6 m=1
